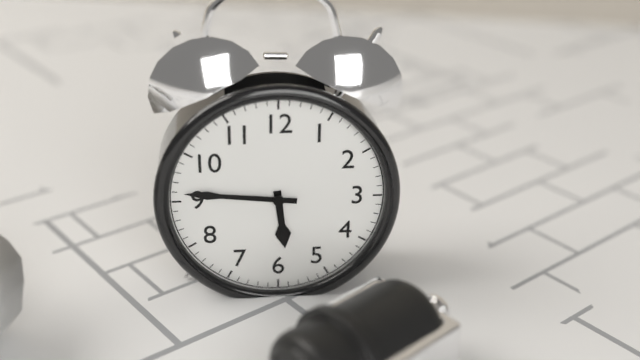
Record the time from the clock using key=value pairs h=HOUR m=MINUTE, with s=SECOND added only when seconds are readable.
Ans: h=5 m=46
